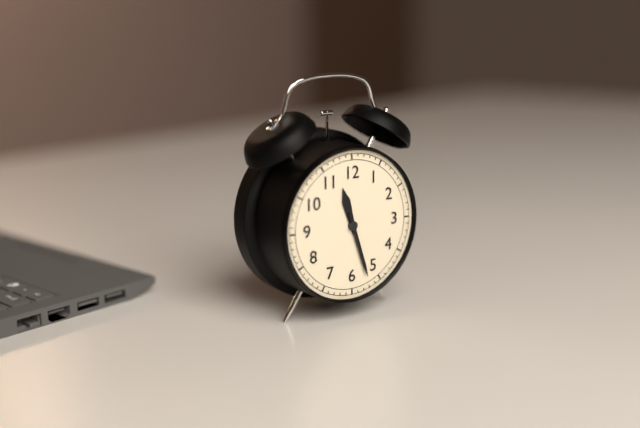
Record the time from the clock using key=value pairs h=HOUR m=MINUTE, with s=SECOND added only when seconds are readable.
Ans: h=11 m=27
